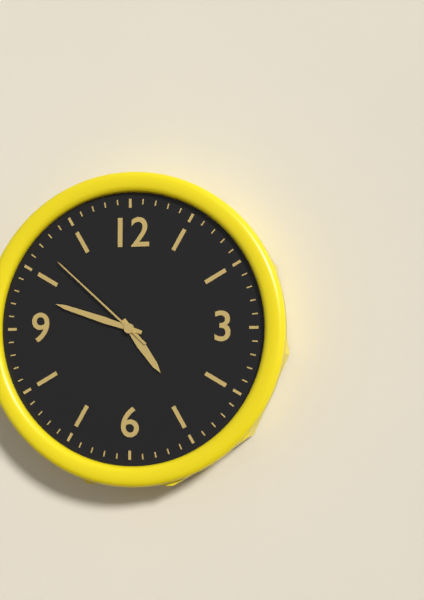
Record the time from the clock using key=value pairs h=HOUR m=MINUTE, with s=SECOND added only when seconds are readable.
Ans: h=4 m=48 s=52
